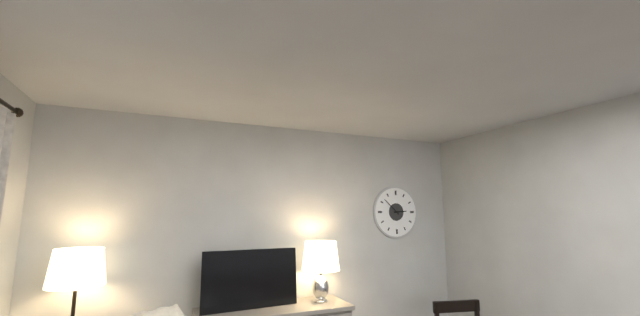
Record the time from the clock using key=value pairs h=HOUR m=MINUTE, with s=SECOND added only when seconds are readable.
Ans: h=2 m=52
